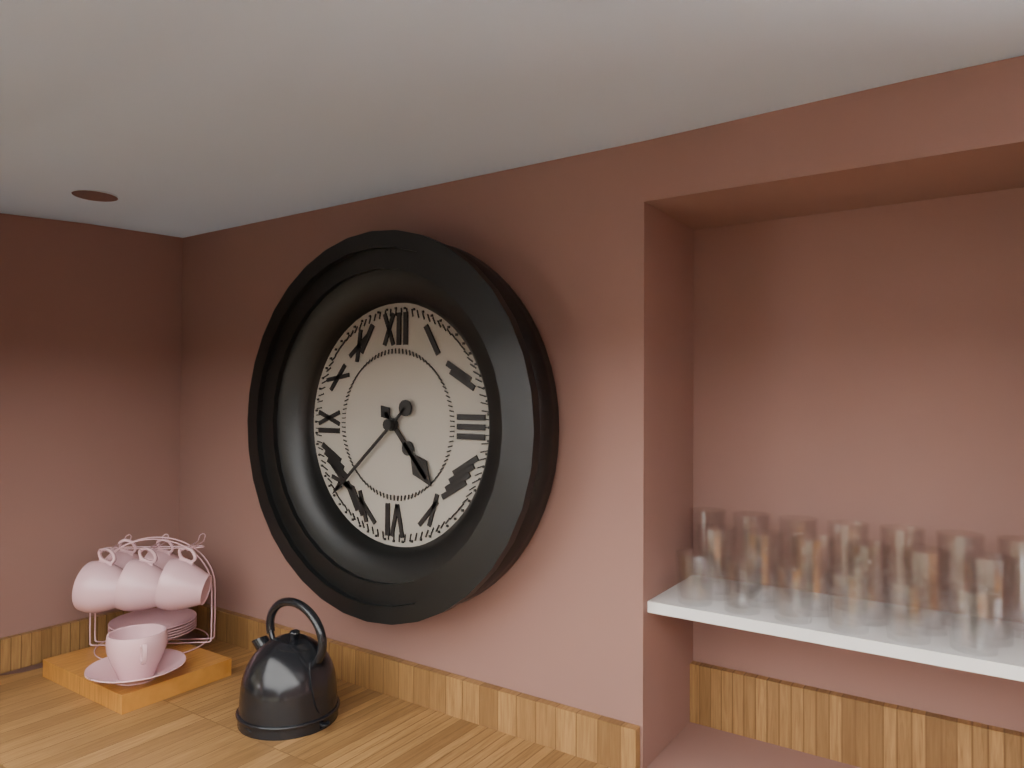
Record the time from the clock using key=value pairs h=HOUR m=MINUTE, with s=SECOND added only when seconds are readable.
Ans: h=4 m=38
